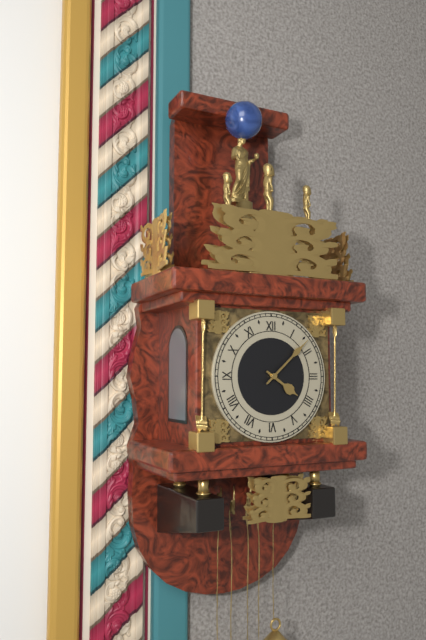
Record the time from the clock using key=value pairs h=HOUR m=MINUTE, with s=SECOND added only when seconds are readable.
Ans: h=4 m=8
